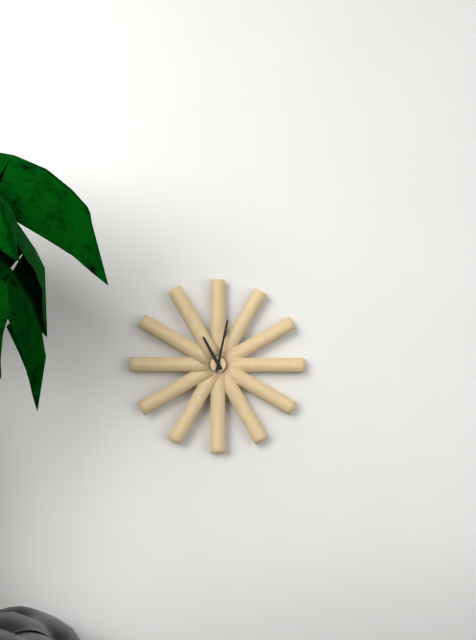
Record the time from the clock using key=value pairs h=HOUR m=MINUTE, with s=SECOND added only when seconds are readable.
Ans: h=11 m=2
